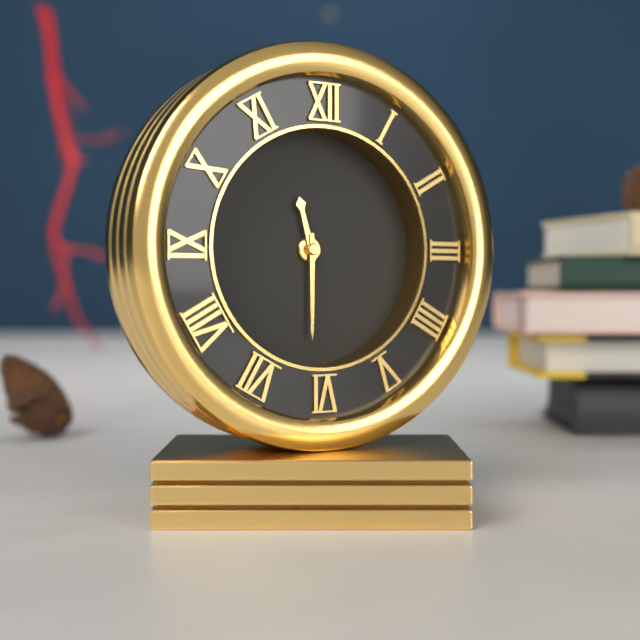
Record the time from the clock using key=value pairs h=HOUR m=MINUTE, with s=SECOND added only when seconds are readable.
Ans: h=11 m=30
